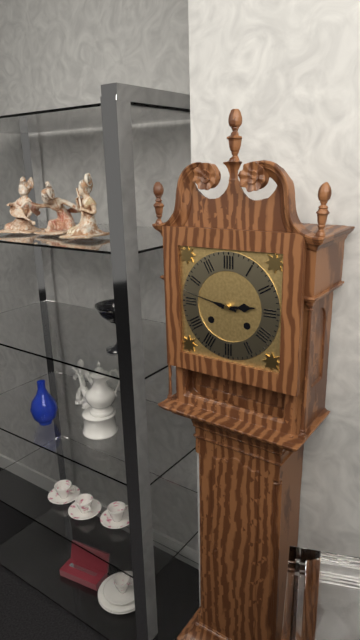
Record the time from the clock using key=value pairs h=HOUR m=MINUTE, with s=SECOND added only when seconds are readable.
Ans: h=2 m=47
